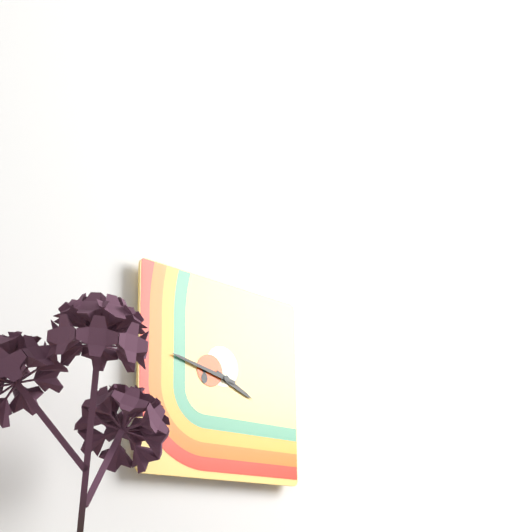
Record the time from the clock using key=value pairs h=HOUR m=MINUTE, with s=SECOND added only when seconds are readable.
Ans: h=3 m=47
